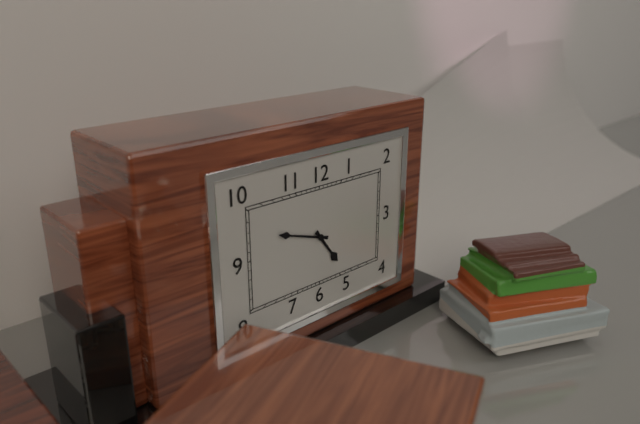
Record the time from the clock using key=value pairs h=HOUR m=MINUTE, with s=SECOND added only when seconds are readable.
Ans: h=4 m=48
